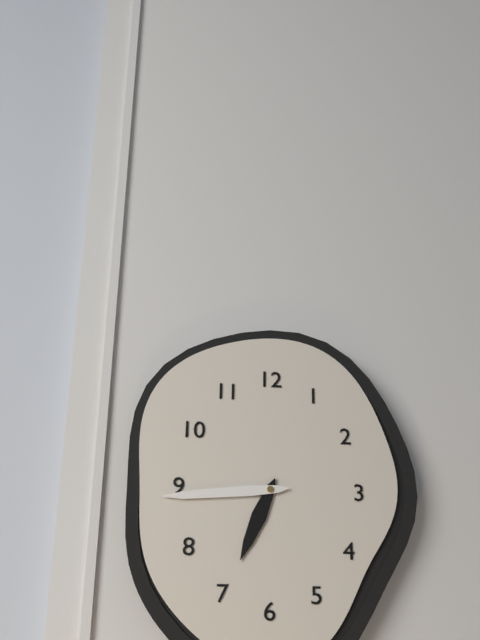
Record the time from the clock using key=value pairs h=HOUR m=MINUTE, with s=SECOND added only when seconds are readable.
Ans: h=6 m=44
